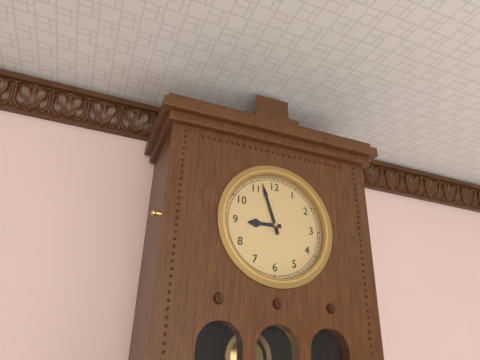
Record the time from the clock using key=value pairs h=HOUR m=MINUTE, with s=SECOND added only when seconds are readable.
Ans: h=8 m=57
